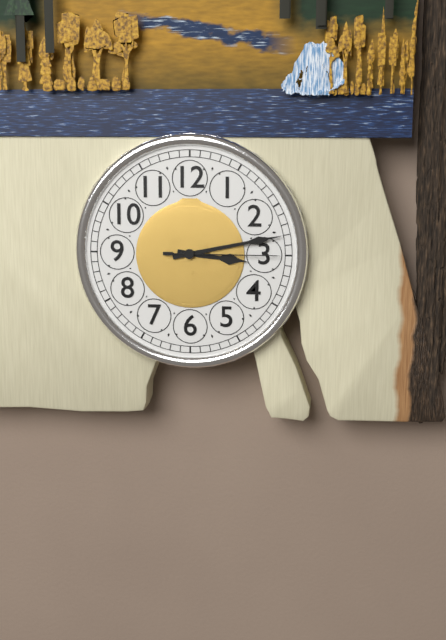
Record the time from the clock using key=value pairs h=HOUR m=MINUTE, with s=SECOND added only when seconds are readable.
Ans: h=3 m=13 s=15
